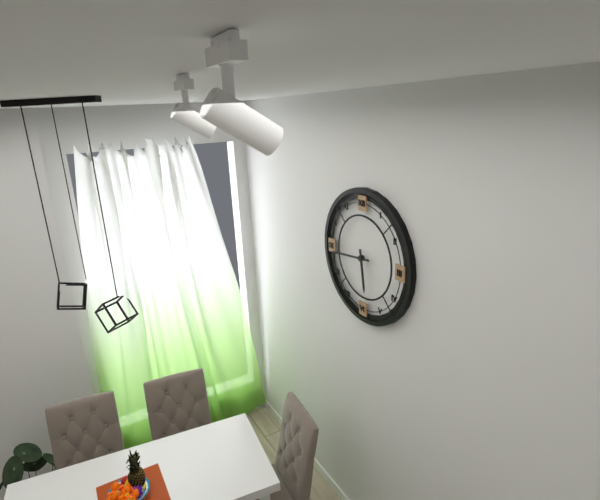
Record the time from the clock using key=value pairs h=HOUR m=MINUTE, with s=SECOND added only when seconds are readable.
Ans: h=5 m=44
